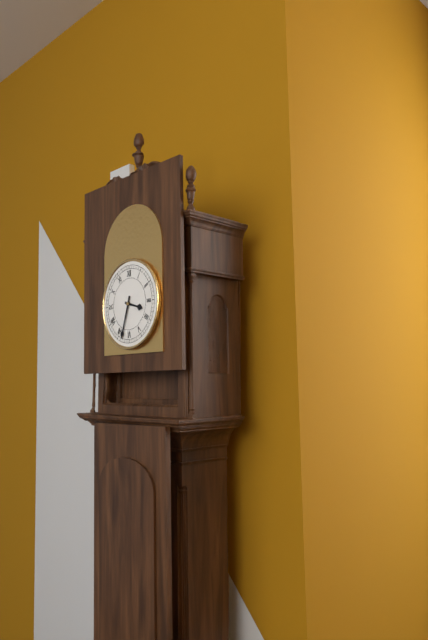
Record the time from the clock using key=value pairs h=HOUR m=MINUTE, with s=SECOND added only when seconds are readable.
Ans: h=3 m=33
